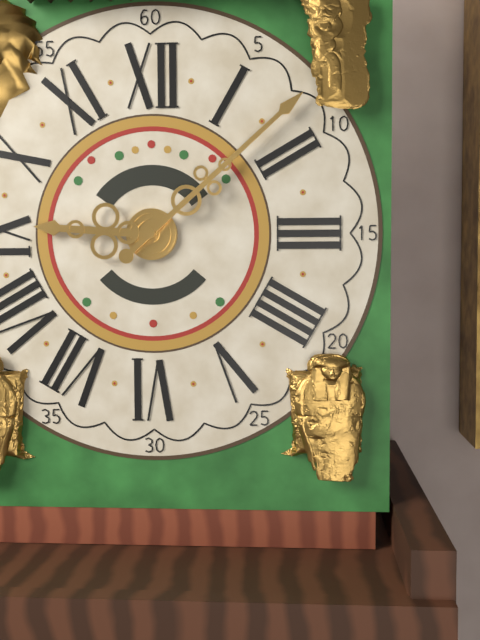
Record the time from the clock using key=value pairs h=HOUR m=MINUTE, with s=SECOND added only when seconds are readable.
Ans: h=9 m=8
